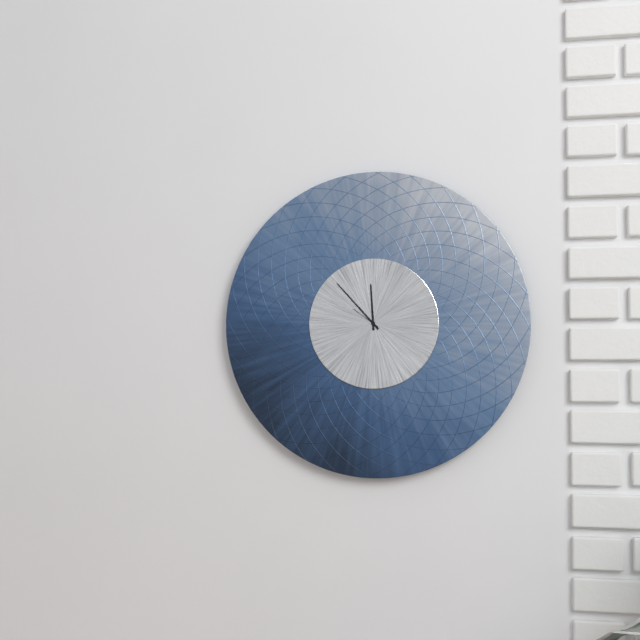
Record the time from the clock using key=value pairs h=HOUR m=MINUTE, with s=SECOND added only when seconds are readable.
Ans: h=11 m=53
